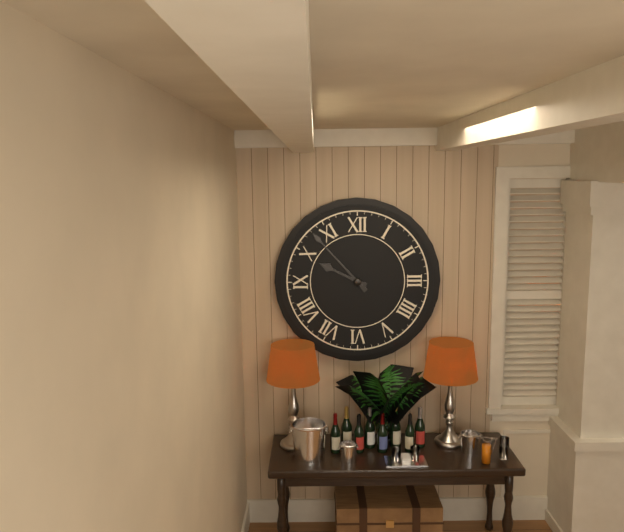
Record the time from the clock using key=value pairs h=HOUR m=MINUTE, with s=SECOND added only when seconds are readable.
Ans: h=9 m=53
